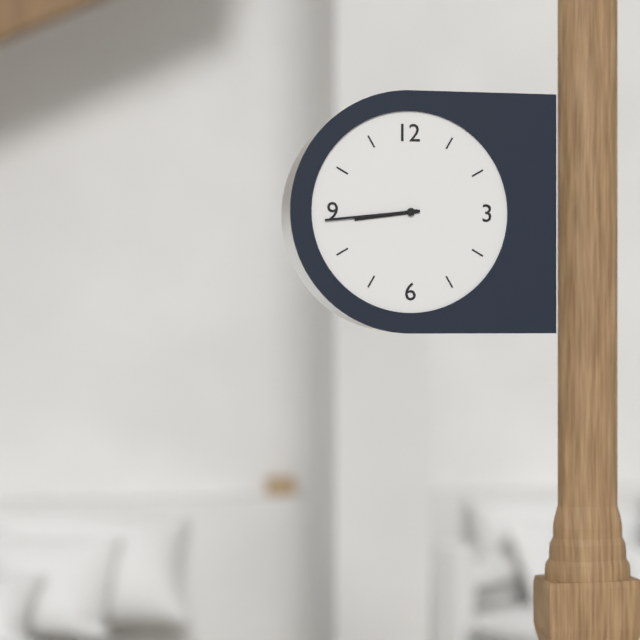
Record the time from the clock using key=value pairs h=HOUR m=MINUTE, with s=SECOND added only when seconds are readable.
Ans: h=8 m=44
